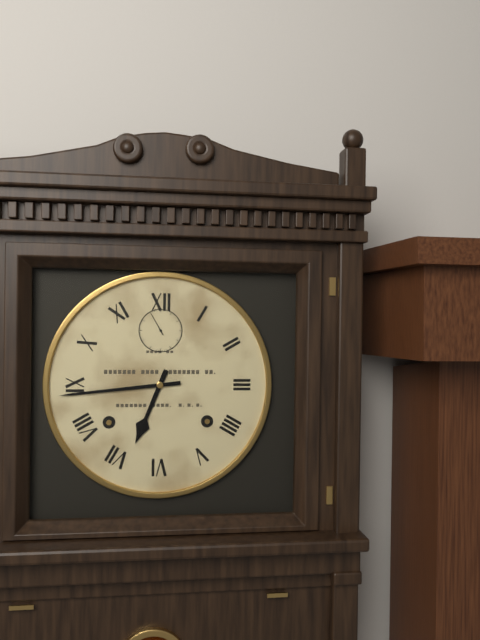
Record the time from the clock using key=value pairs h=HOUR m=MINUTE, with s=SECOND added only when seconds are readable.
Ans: h=6 m=44
